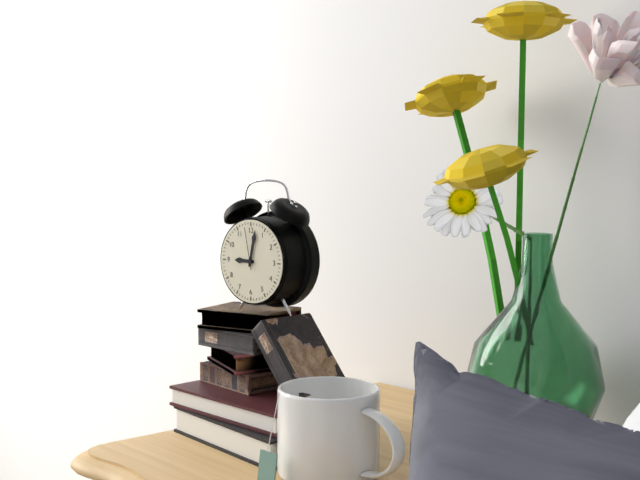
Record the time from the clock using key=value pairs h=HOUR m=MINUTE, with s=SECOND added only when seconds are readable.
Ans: h=9 m=2
